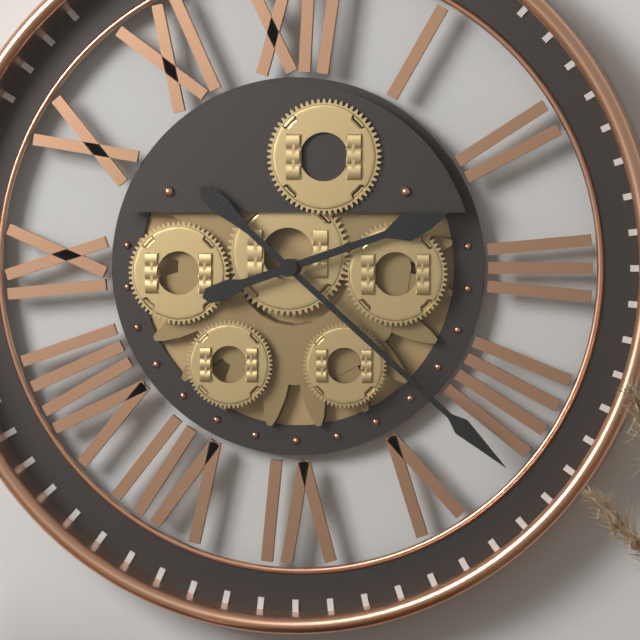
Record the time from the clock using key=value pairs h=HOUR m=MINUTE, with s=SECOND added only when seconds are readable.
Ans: h=2 m=22
